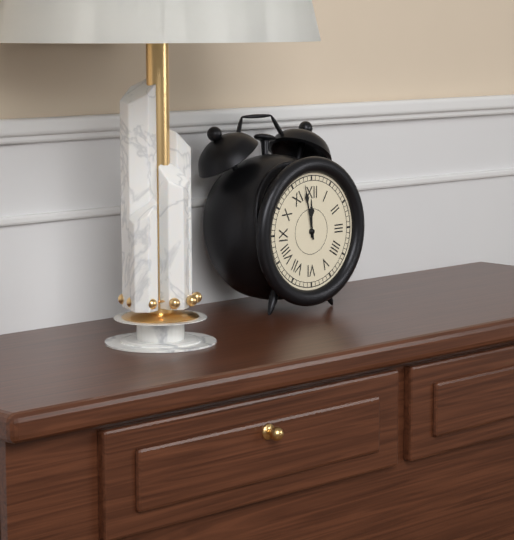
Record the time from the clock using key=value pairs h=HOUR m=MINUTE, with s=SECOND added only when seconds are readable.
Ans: h=11 m=58
